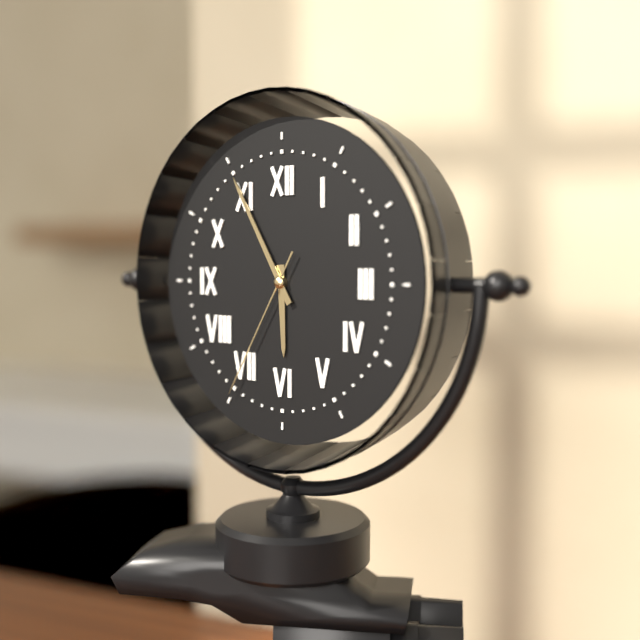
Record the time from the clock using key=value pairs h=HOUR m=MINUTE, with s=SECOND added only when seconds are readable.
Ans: h=5 m=55 s=35
